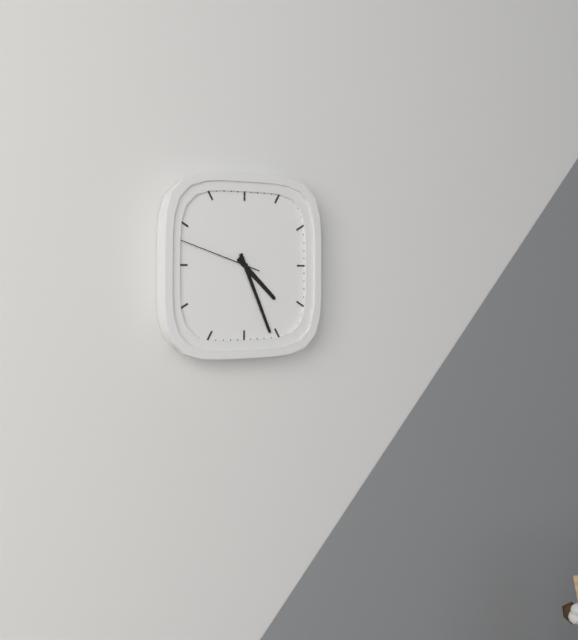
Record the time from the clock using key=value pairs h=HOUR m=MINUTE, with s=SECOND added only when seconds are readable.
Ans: h=4 m=26 s=48
